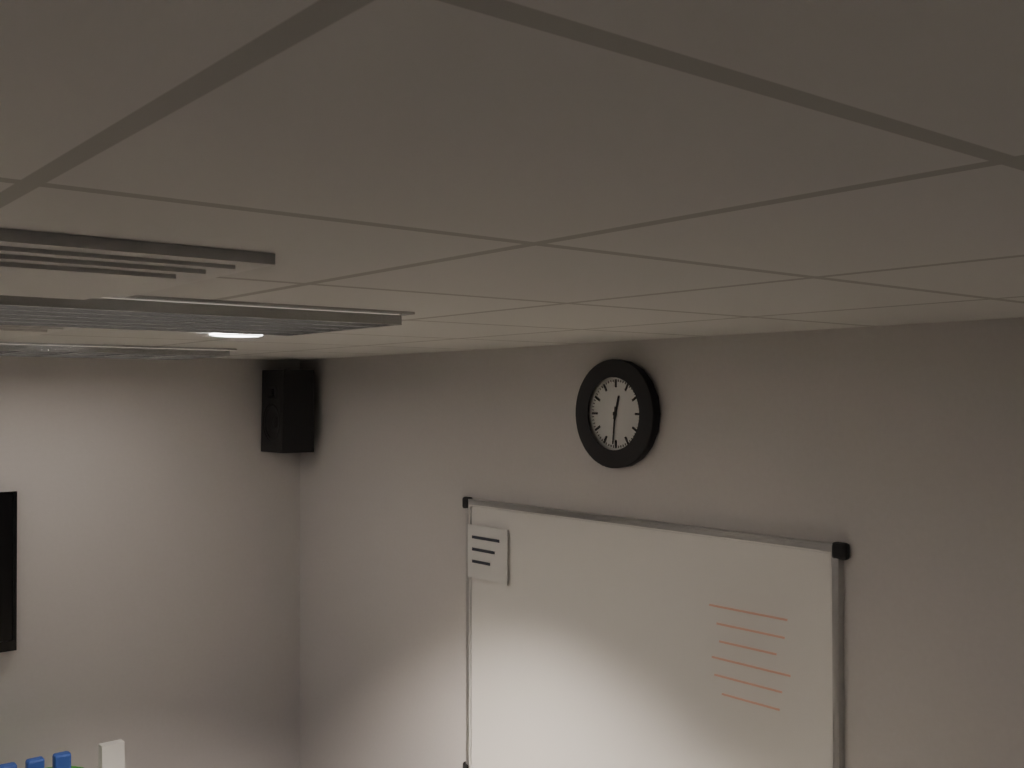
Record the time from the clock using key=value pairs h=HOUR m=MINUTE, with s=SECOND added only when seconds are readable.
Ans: h=12 m=31
